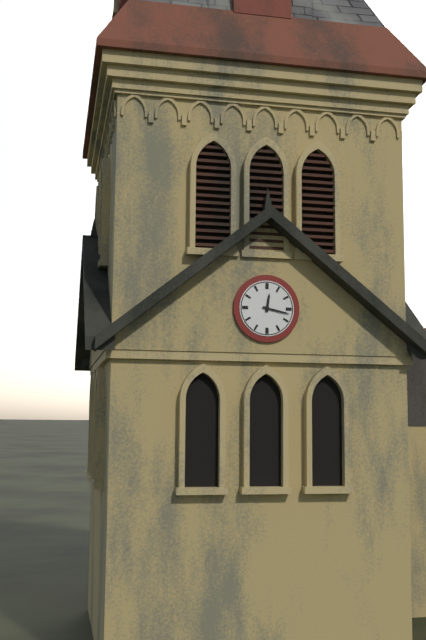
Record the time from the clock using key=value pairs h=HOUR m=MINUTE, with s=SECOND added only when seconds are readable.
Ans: h=12 m=17
